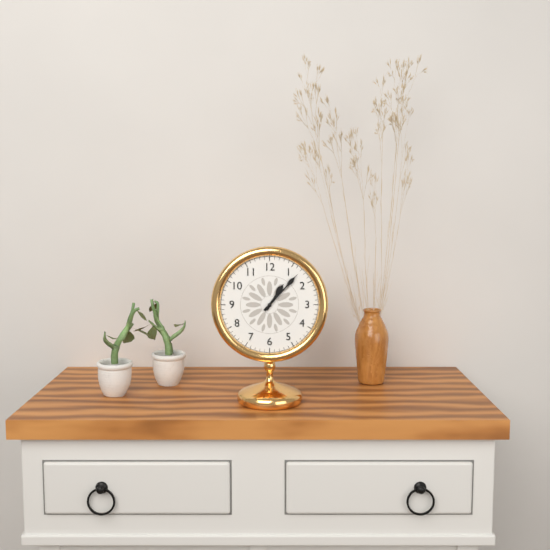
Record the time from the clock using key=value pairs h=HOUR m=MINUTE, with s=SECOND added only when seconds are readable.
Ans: h=1 m=7
